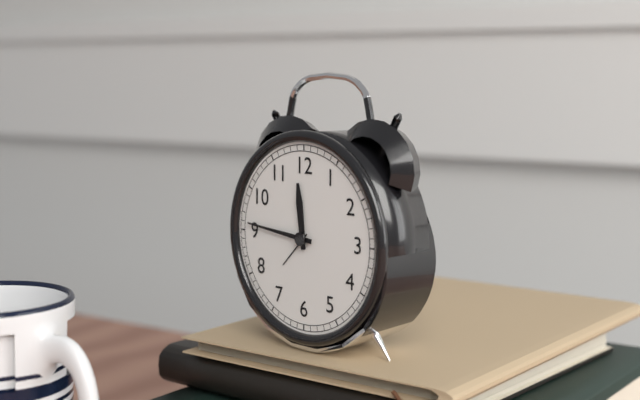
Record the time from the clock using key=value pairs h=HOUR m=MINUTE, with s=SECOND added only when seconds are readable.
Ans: h=11 m=46
